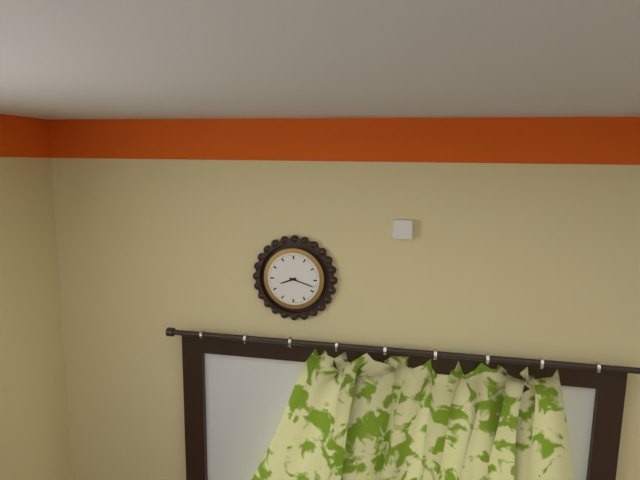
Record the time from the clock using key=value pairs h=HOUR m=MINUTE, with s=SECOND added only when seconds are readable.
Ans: h=8 m=18
